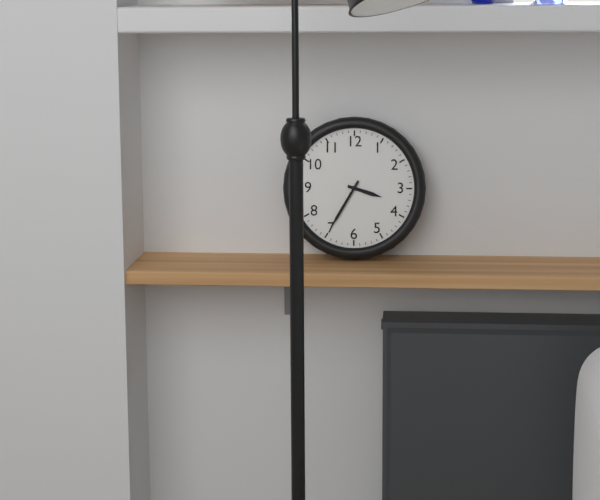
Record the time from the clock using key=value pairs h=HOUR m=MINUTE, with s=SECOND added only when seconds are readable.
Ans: h=3 m=35
